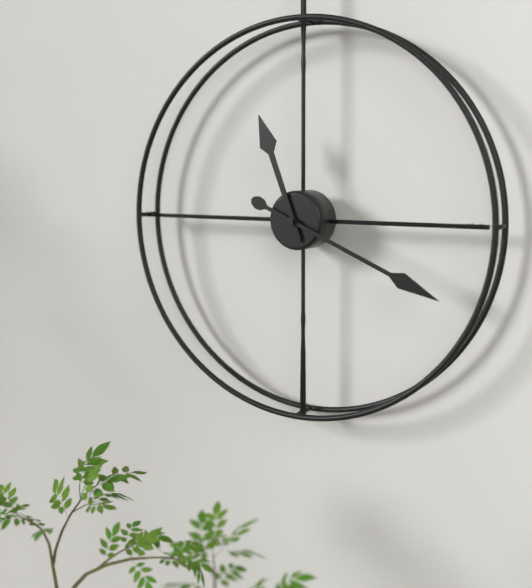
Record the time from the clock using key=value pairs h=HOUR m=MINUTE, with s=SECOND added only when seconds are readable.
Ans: h=11 m=19
